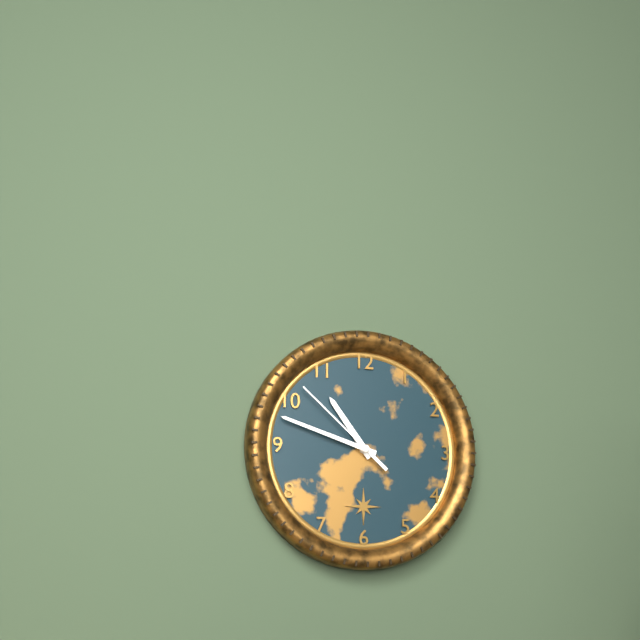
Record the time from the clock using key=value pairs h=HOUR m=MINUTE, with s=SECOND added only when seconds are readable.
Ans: h=10 m=48 s=52
